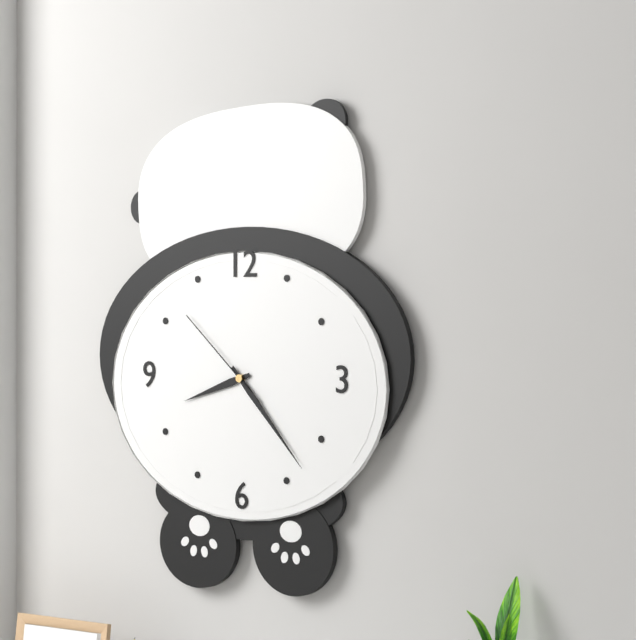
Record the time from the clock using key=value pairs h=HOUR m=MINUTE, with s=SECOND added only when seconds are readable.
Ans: h=8 m=23 s=52
